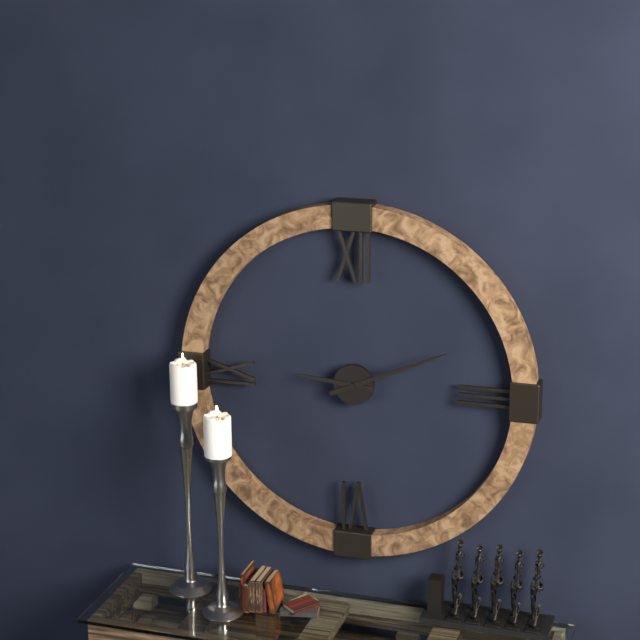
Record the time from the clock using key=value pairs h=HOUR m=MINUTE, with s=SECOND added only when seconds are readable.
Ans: h=9 m=11
